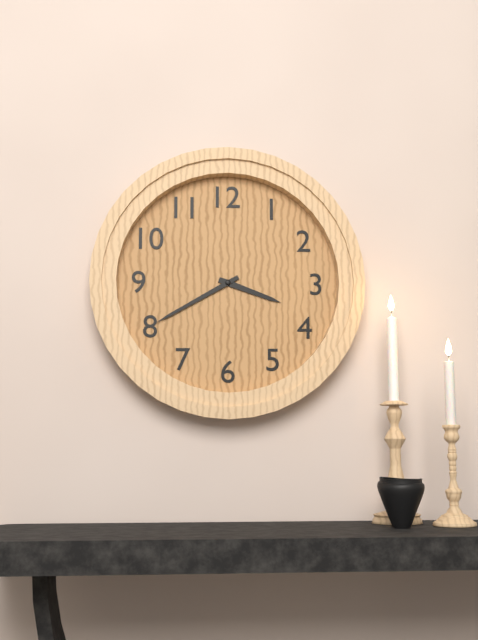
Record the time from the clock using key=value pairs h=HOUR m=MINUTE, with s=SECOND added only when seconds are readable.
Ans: h=3 m=40
